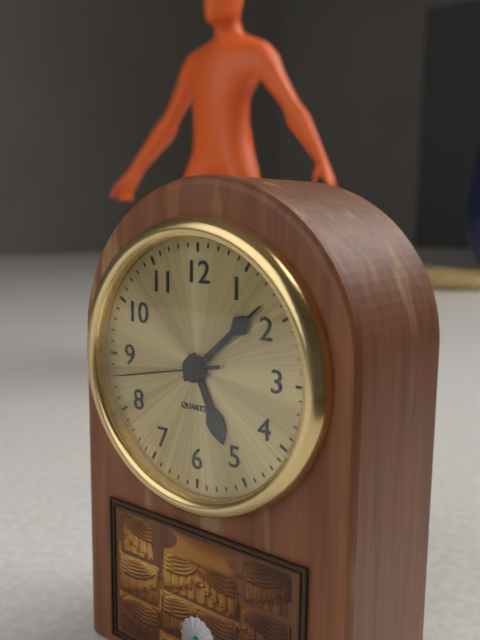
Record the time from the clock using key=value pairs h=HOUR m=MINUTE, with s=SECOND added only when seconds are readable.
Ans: h=5 m=8 s=43
